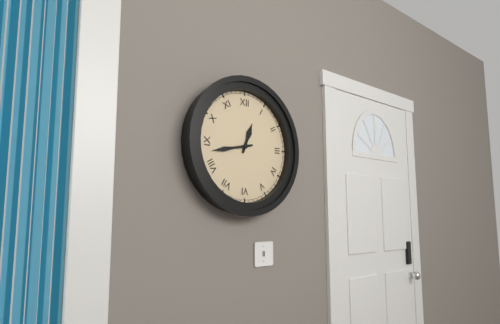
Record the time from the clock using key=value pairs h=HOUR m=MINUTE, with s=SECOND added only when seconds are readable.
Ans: h=12 m=43
